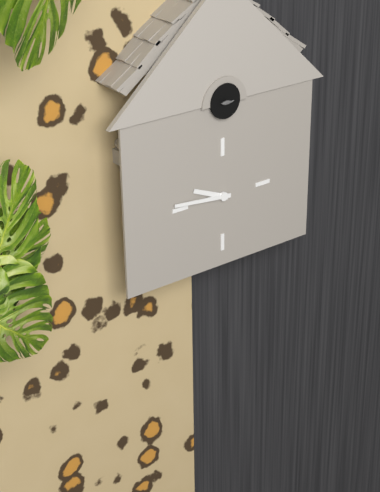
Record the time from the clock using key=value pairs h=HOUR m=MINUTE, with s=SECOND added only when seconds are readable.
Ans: h=9 m=46
